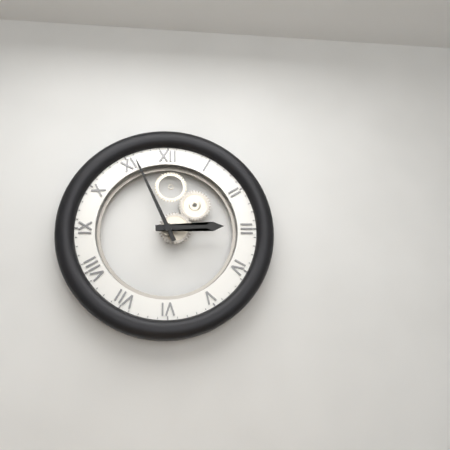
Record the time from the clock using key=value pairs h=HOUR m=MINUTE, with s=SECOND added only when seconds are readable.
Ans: h=2 m=56
